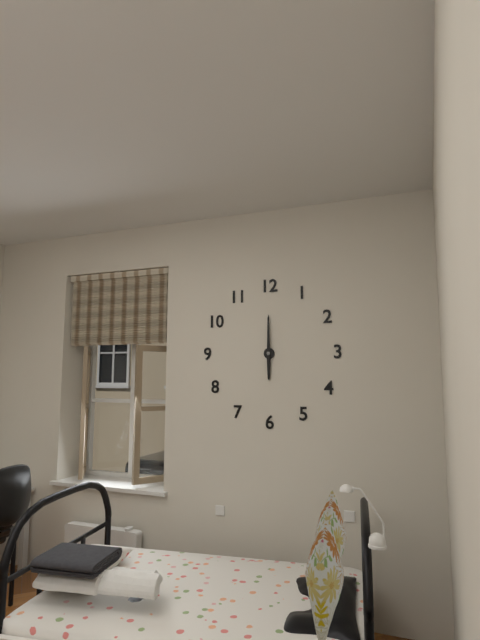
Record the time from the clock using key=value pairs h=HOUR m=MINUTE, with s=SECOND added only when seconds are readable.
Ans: h=6 m=0
